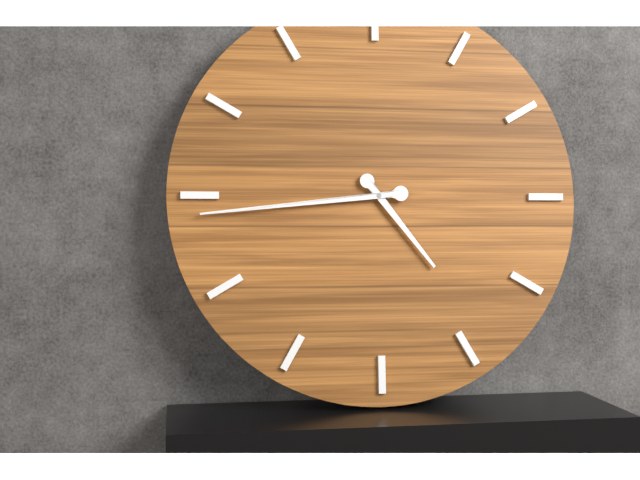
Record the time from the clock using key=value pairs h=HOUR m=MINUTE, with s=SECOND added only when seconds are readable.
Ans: h=4 m=44
